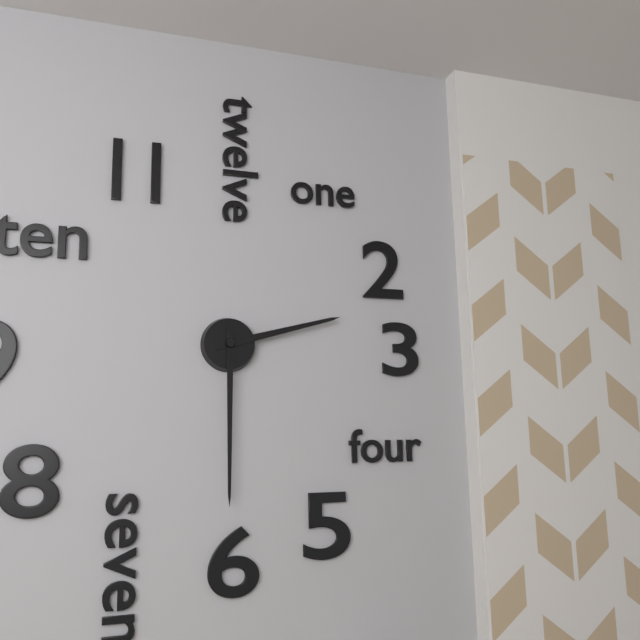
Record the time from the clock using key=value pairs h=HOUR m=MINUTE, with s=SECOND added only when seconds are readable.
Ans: h=2 m=30
